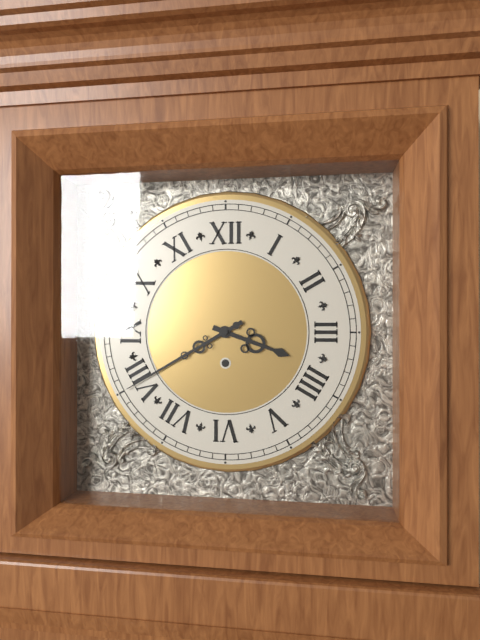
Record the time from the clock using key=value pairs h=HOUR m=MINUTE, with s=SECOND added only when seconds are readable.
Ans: h=3 m=40
